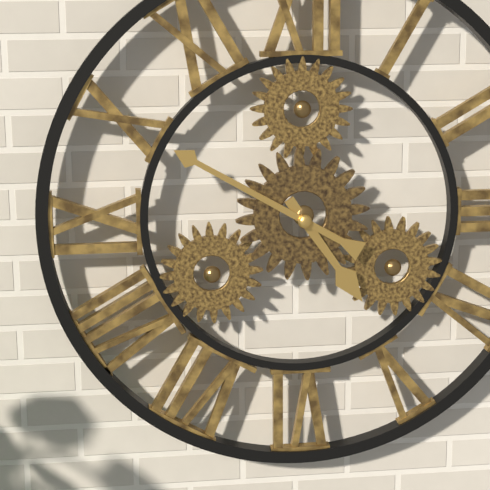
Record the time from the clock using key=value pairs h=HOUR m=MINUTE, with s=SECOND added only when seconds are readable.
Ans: h=4 m=50
